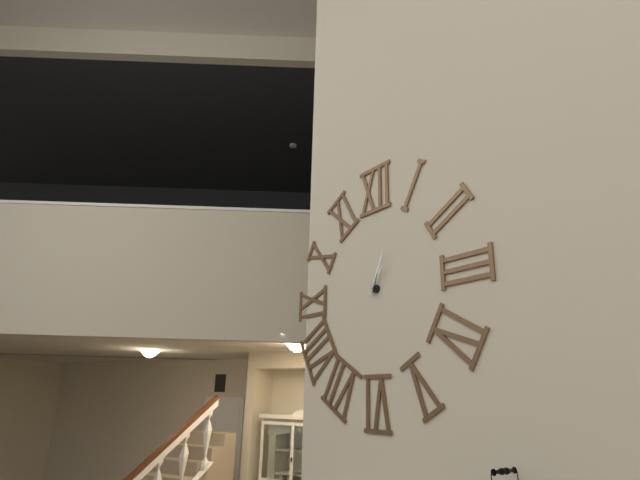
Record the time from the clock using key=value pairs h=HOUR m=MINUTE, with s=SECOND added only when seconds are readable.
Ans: h=1 m=4
